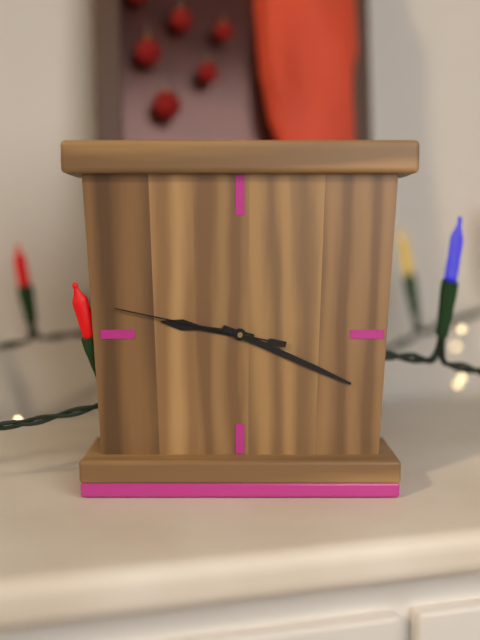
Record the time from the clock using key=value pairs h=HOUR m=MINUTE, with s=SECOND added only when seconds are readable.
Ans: h=9 m=19 s=47
